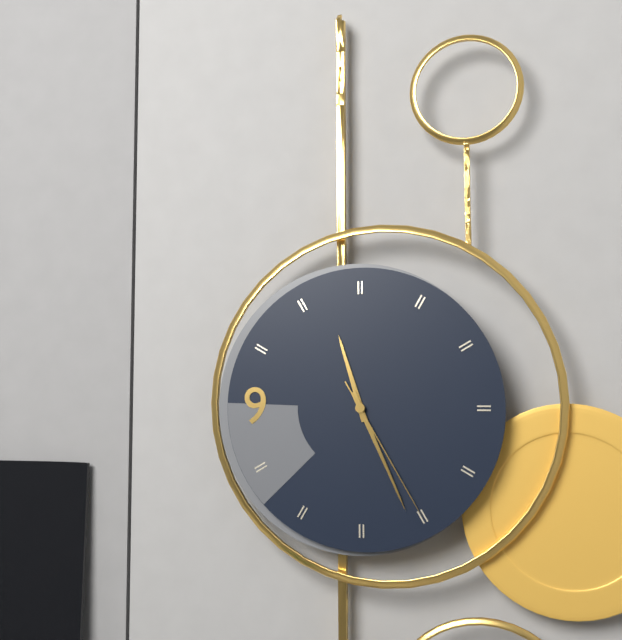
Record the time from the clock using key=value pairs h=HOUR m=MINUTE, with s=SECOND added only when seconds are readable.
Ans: h=11 m=26 s=25
